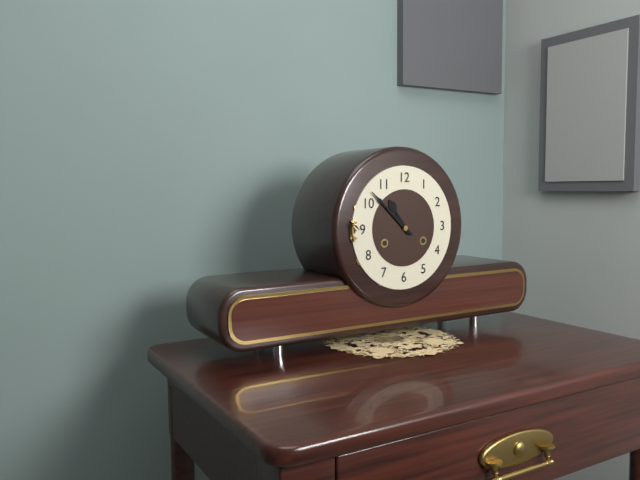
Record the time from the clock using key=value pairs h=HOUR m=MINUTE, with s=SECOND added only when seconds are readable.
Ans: h=10 m=52
